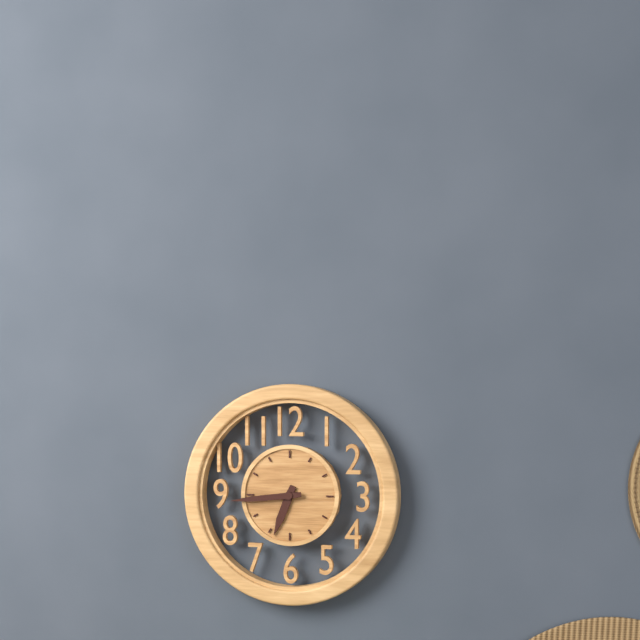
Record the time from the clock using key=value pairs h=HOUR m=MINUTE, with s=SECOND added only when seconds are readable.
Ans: h=6 m=44
